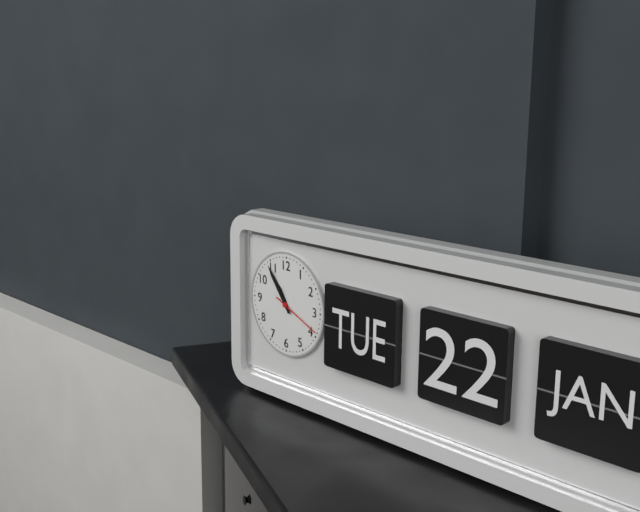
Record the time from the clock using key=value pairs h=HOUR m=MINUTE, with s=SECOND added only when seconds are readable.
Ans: h=10 m=54 s=19
